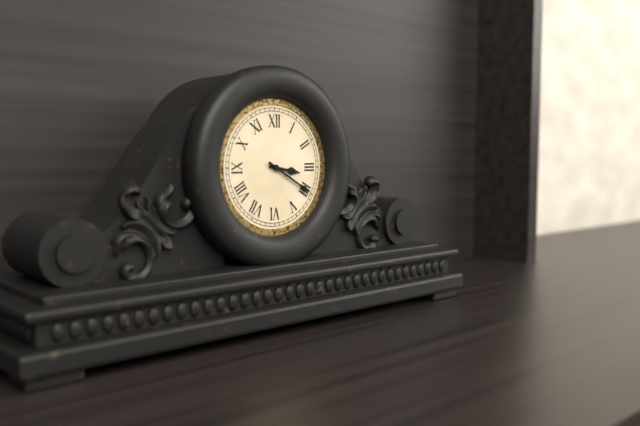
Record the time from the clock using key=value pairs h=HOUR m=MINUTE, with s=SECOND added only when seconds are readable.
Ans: h=3 m=20
